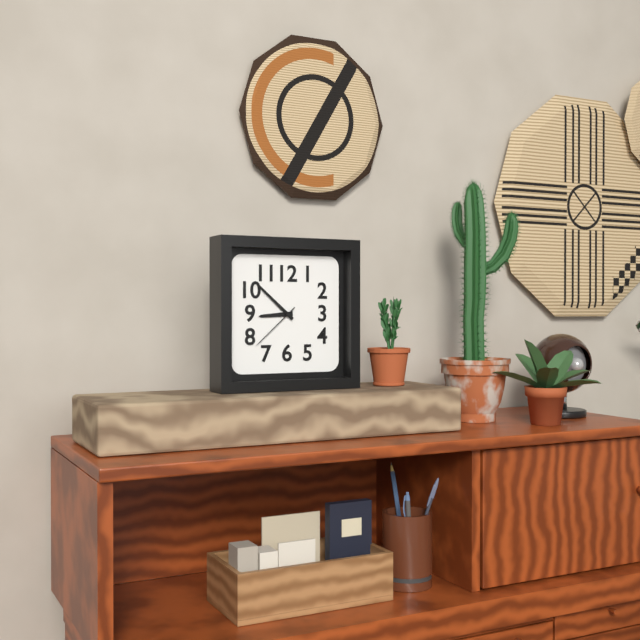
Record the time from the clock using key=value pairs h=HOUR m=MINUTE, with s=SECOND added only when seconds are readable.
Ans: h=8 m=52 s=38
